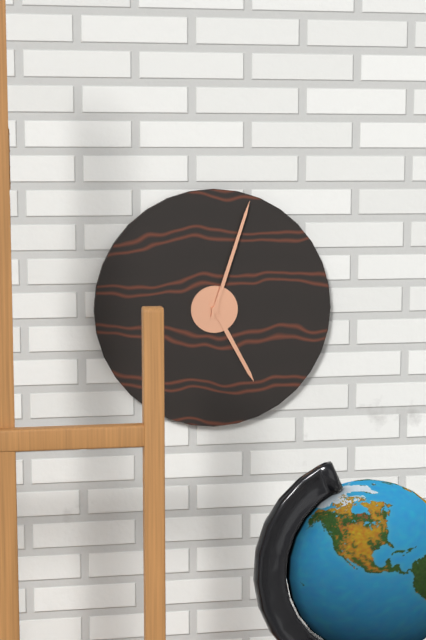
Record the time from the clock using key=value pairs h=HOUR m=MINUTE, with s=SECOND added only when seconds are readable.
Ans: h=5 m=3
